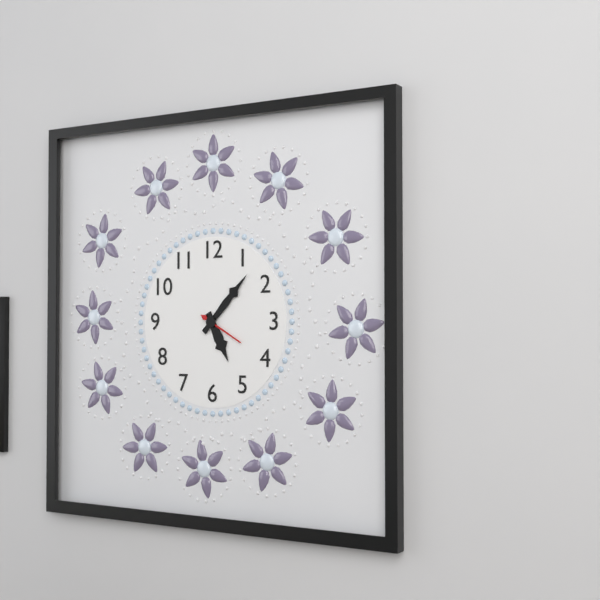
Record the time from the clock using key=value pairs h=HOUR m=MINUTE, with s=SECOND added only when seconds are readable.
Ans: h=5 m=7
